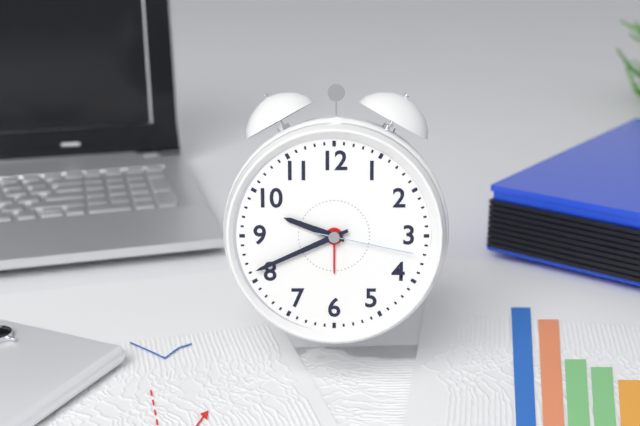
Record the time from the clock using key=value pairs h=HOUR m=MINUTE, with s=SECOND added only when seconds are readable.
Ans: h=9 m=41 s=17
